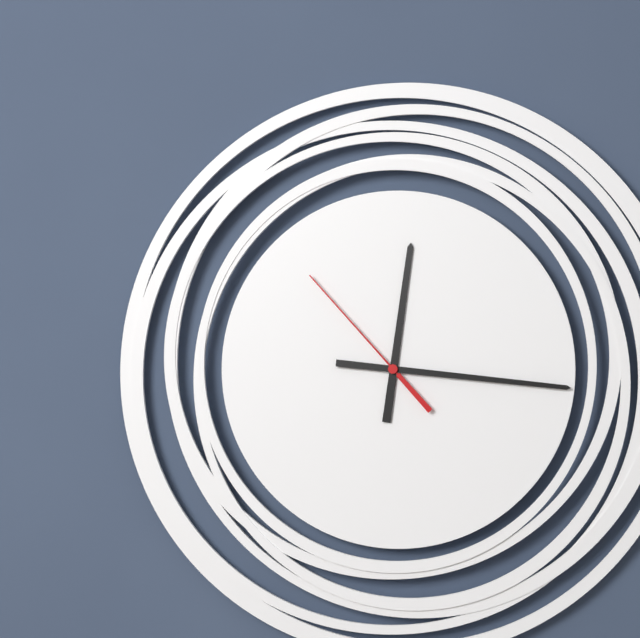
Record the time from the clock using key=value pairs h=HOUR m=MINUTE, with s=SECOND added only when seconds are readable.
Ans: h=12 m=16 s=53
